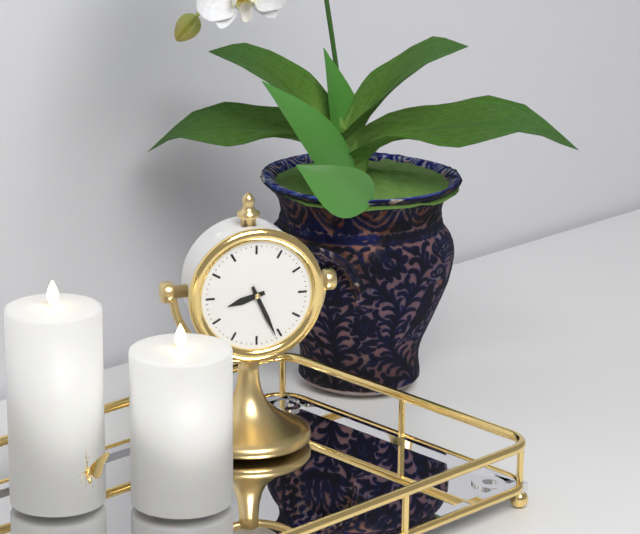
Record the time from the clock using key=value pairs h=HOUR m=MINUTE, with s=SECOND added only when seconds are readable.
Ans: h=8 m=26
